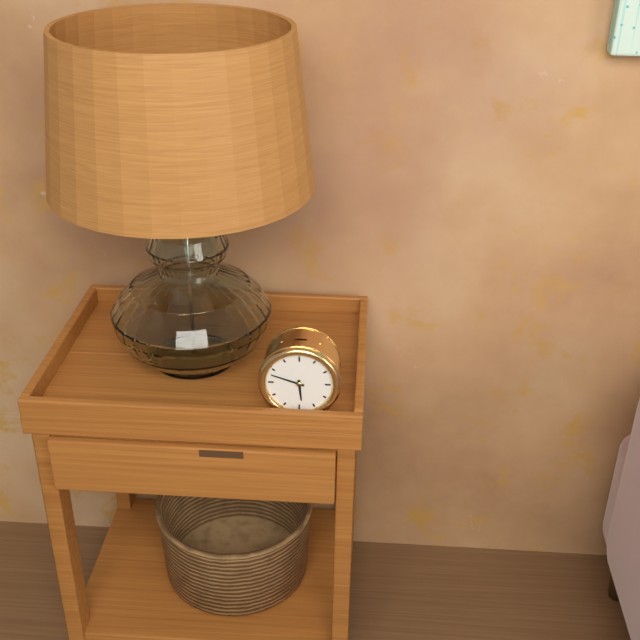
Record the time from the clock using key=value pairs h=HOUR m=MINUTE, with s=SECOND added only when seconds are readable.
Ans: h=5 m=48
